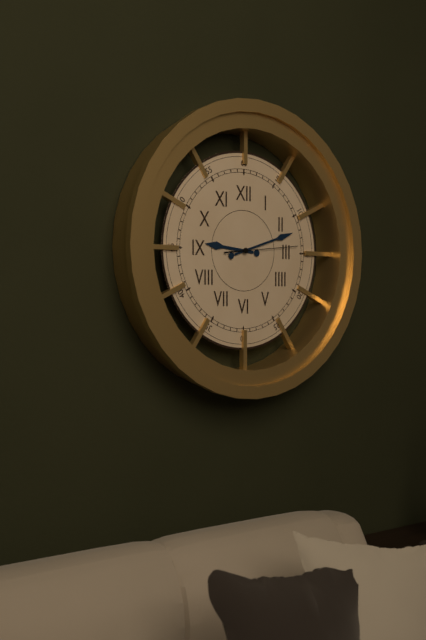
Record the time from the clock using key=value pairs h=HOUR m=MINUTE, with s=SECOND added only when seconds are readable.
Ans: h=9 m=12 s=14
